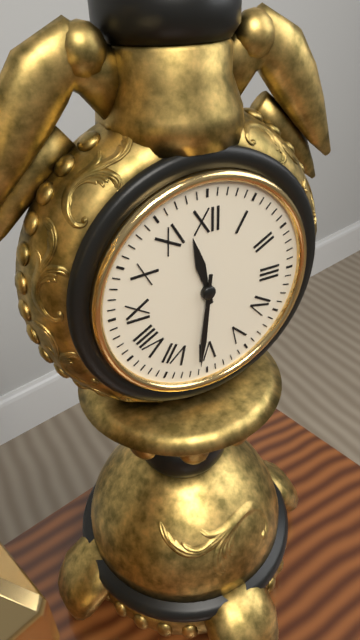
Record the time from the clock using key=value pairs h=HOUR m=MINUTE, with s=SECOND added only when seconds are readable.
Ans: h=11 m=31
